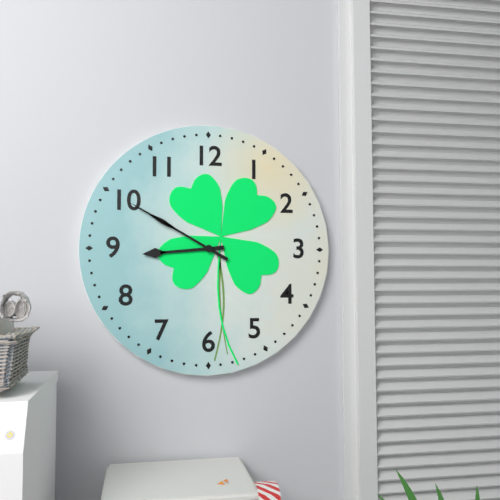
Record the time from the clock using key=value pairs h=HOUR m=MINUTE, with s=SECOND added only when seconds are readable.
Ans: h=8 m=50
